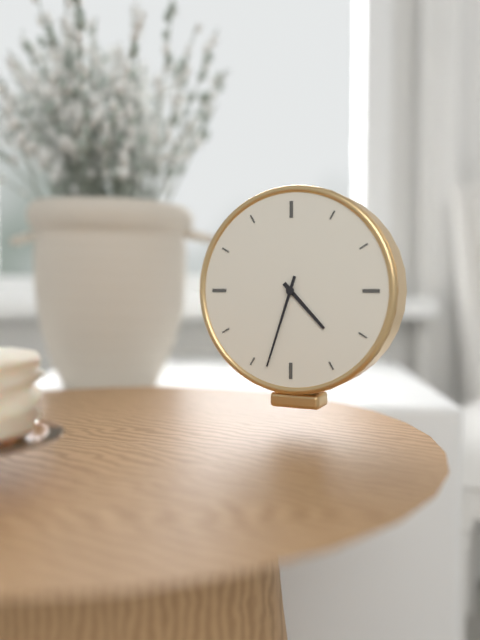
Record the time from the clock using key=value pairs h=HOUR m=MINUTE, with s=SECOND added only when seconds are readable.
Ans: h=4 m=33
